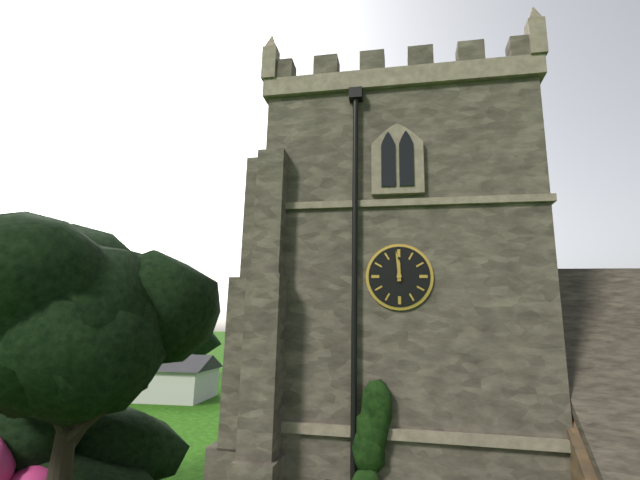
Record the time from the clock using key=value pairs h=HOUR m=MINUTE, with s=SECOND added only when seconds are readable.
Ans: h=11 m=59
